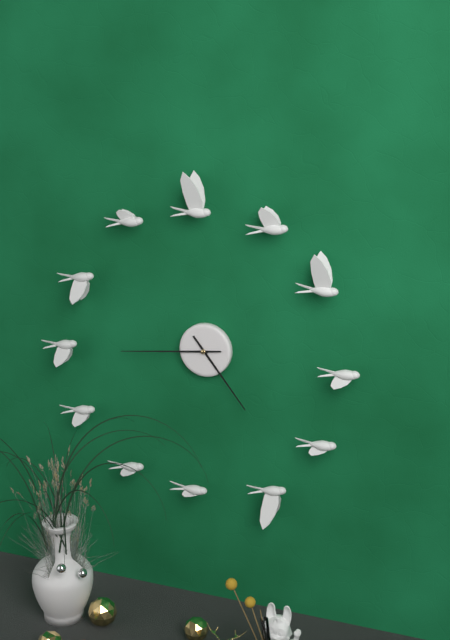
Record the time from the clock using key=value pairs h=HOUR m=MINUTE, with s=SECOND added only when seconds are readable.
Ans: h=4 m=44
